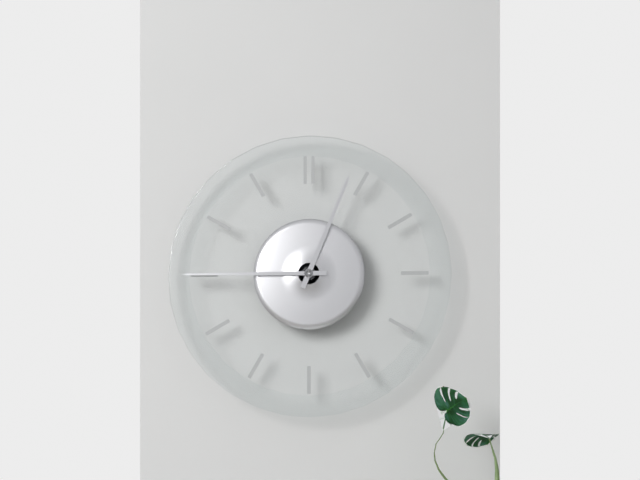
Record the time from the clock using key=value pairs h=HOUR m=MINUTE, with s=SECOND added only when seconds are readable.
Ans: h=12 m=45
